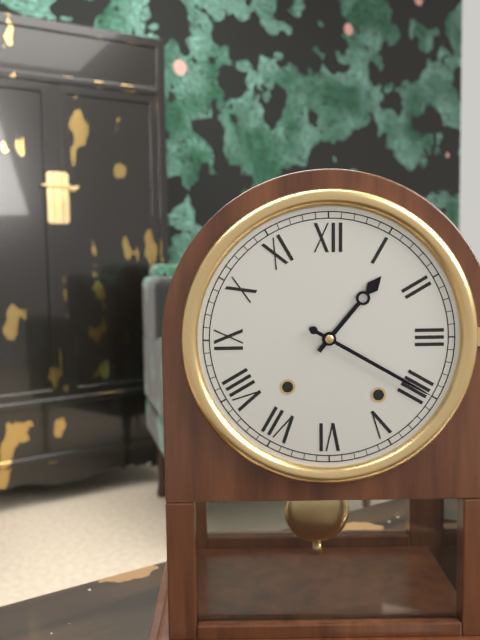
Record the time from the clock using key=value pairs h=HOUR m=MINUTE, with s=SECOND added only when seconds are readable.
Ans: h=1 m=20
